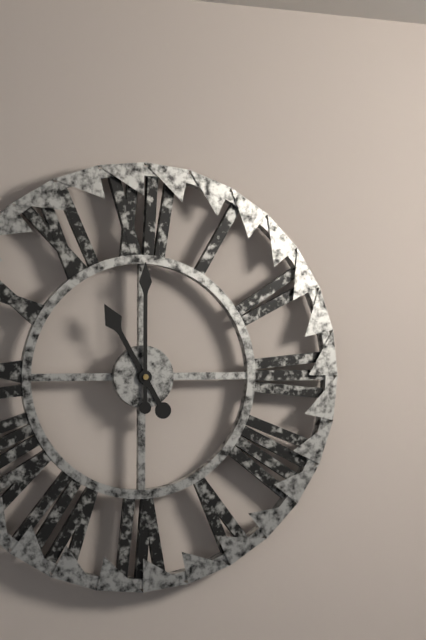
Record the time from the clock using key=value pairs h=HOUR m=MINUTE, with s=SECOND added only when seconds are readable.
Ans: h=11 m=0
